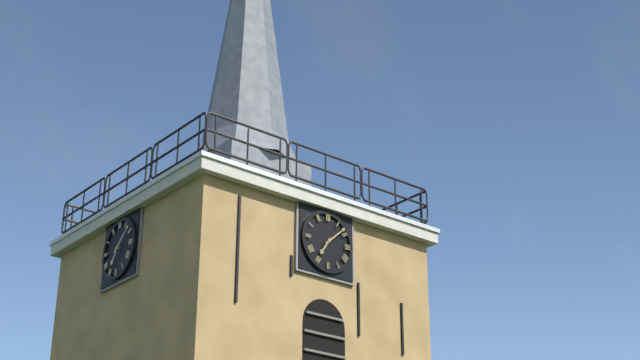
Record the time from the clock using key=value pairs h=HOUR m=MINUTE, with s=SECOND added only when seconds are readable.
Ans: h=7 m=8
